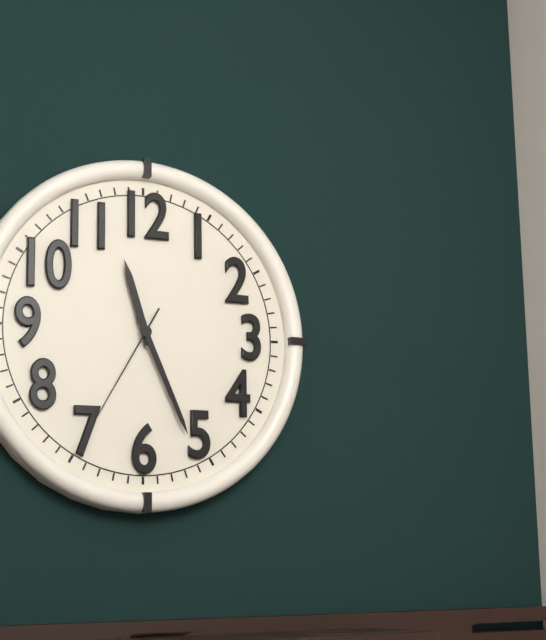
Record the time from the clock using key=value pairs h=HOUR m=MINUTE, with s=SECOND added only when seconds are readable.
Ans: h=11 m=26 s=35
